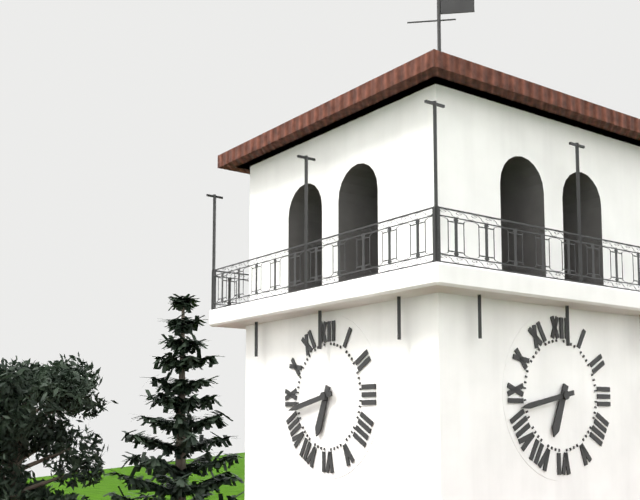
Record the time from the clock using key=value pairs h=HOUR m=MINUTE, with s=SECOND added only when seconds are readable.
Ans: h=6 m=43
